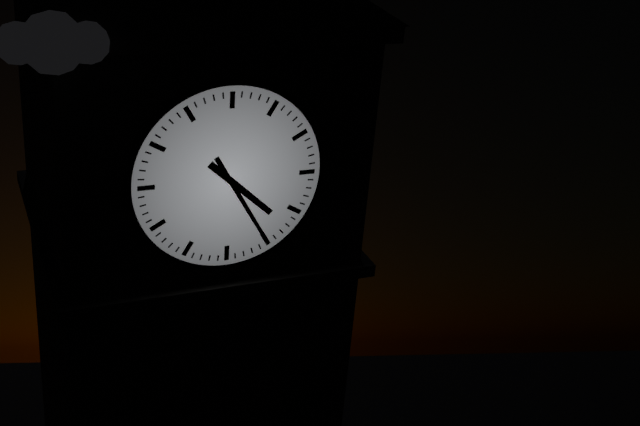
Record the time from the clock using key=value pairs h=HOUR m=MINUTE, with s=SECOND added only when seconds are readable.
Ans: h=4 m=25
